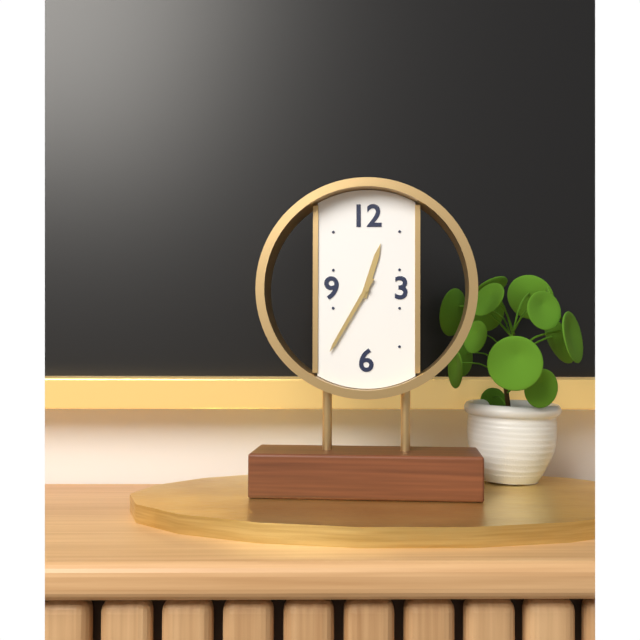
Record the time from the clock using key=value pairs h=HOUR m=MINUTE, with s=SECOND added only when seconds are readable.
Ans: h=12 m=35
